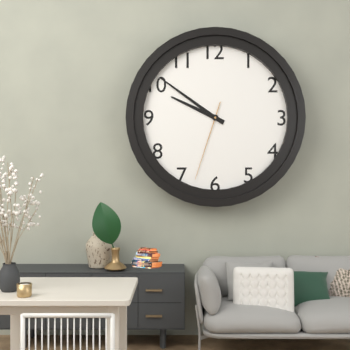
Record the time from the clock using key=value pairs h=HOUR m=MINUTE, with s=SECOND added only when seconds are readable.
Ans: h=9 m=51 s=33
